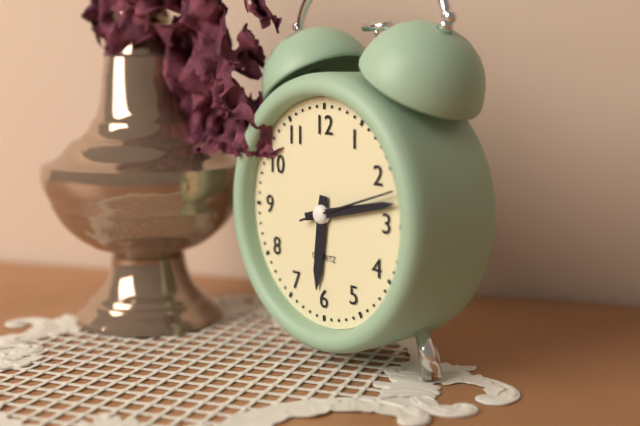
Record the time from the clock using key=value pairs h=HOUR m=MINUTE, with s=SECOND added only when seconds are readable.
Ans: h=6 m=13 s=12
